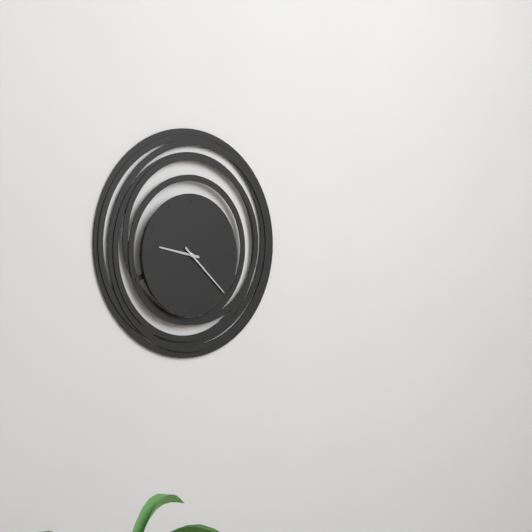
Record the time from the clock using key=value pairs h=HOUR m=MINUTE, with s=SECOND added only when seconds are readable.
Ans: h=9 m=22
